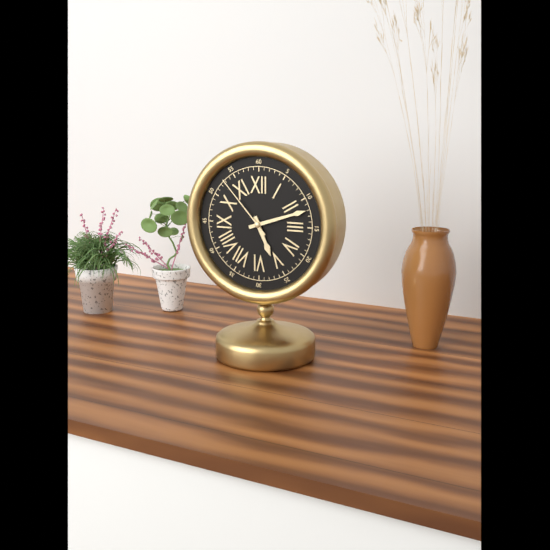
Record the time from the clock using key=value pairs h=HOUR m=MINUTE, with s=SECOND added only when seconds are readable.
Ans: h=5 m=12 s=53
